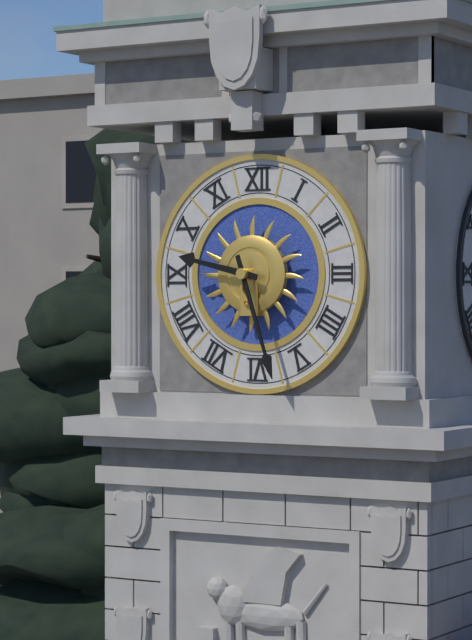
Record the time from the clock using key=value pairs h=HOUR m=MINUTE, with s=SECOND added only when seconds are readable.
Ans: h=9 m=27
